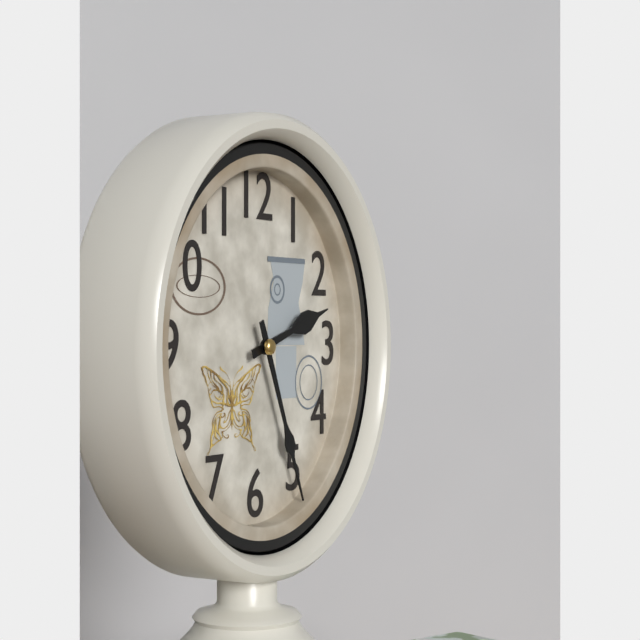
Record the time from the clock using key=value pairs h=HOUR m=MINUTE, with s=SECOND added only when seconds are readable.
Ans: h=2 m=26
